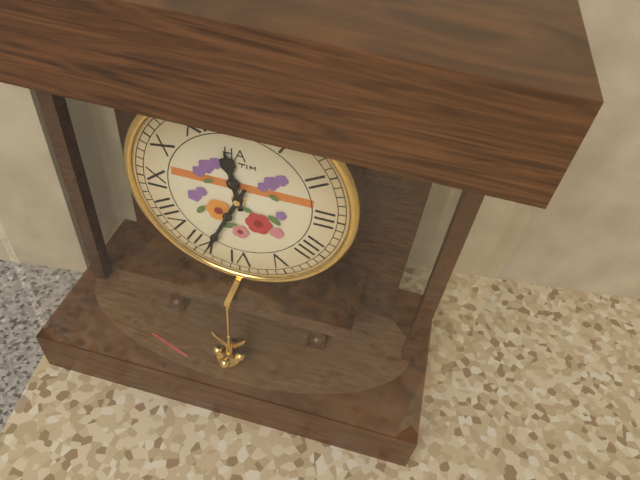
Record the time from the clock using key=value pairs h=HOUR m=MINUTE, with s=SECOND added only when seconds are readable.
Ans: h=11 m=34
